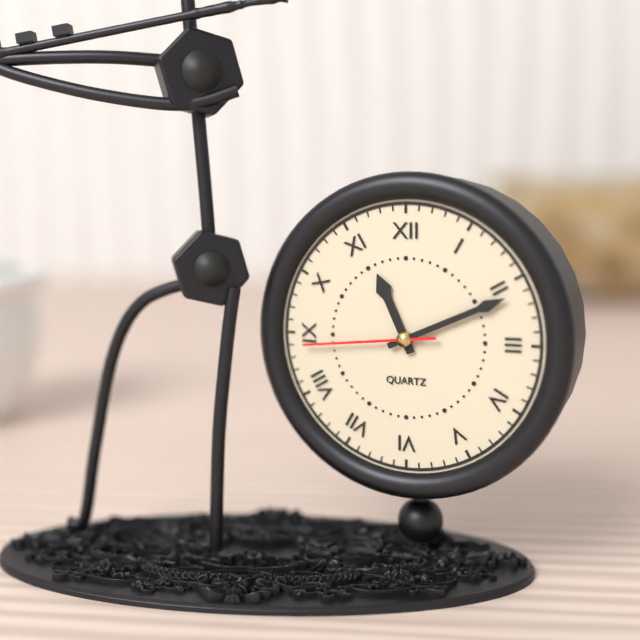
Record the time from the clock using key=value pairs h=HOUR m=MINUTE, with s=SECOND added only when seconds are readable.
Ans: h=11 m=11 s=44
